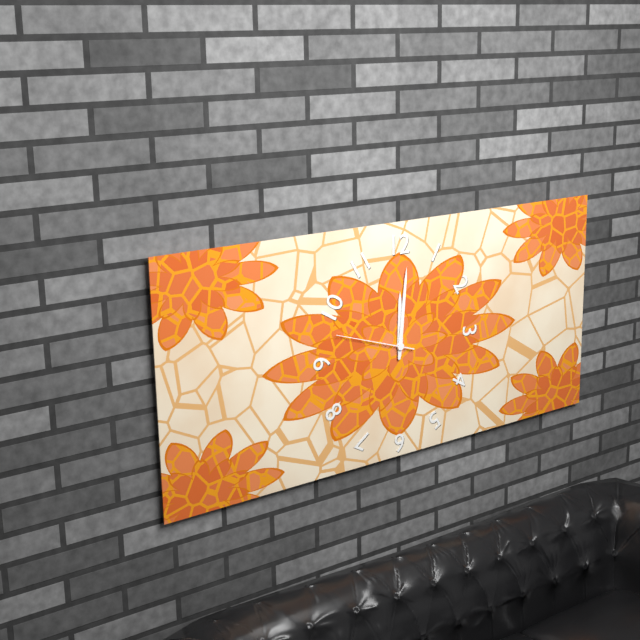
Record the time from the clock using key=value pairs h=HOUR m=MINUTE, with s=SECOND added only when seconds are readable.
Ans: h=12 m=1 s=48
